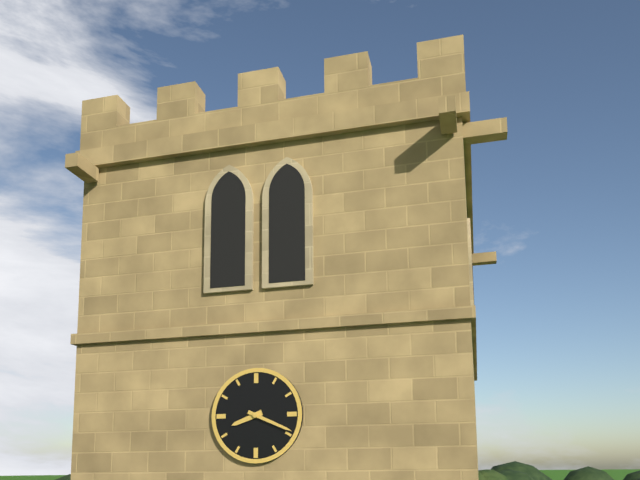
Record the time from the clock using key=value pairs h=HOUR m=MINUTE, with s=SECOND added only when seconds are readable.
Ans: h=8 m=19
